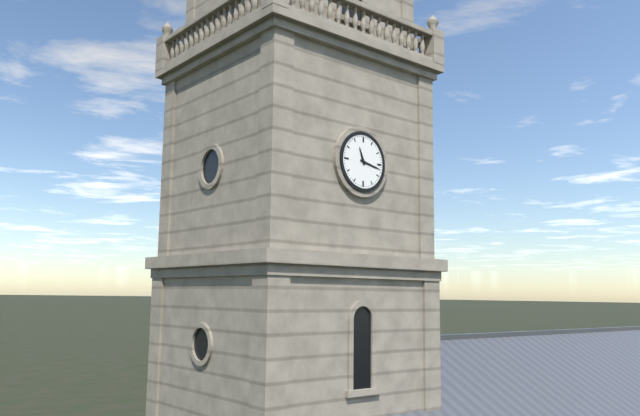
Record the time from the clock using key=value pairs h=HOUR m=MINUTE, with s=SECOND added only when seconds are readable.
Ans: h=11 m=17
